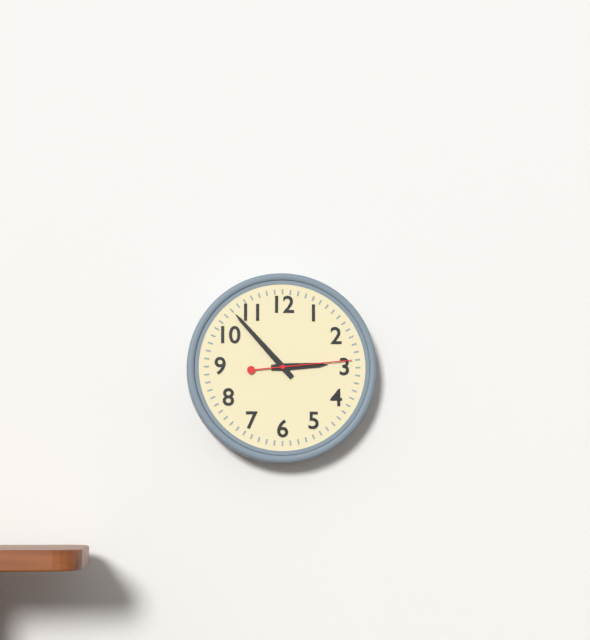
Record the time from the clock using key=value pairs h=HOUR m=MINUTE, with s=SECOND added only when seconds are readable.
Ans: h=2 m=53 s=14
